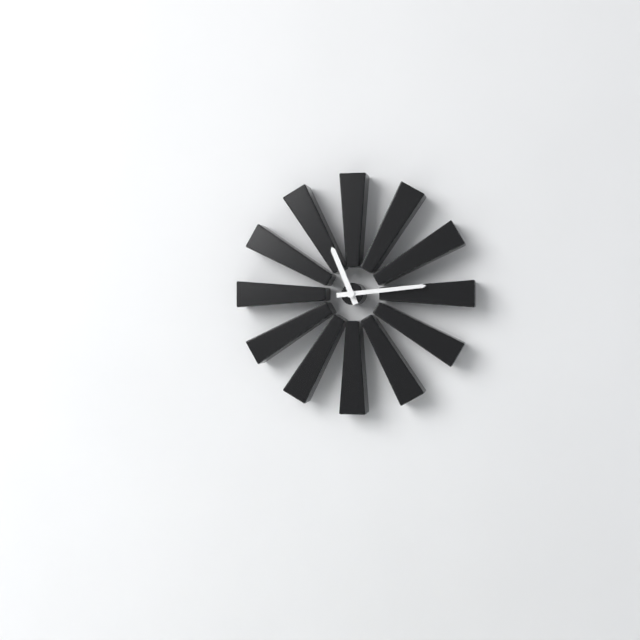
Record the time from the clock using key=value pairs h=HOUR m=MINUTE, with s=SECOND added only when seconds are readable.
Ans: h=11 m=14
